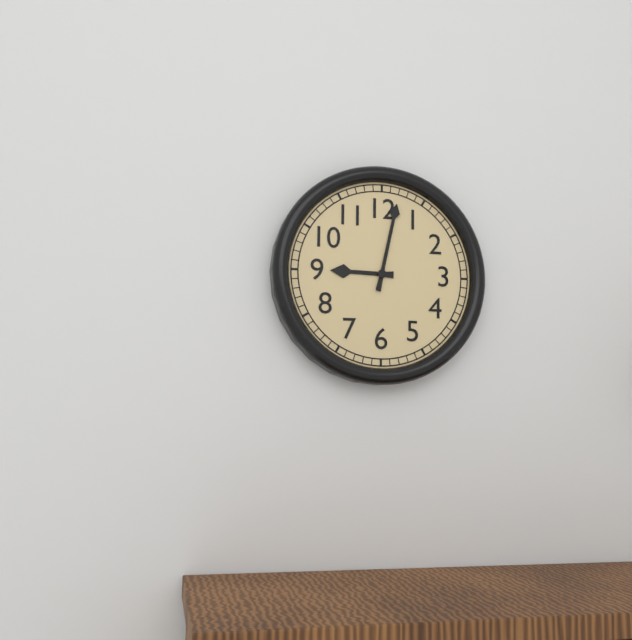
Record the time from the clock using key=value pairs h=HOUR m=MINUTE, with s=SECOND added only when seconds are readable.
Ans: h=9 m=2
